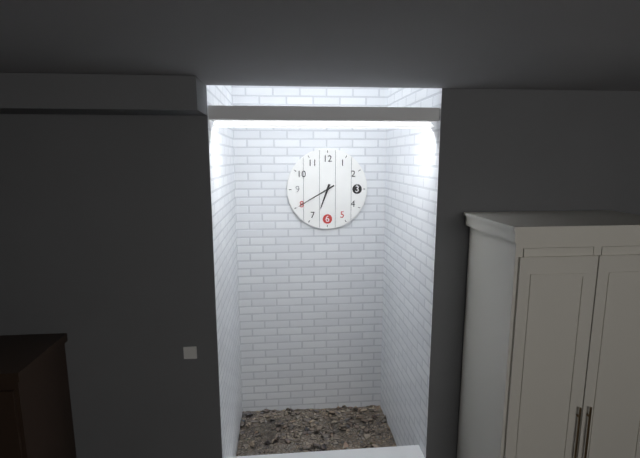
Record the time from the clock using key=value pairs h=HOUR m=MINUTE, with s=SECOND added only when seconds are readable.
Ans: h=6 m=40
